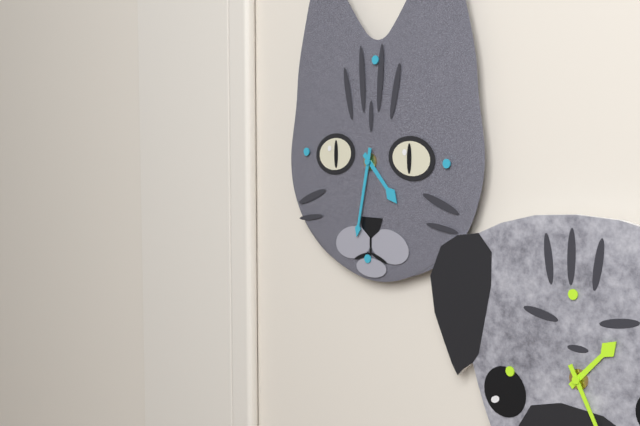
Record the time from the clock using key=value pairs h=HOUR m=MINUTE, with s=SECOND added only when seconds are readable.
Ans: h=4 m=32
